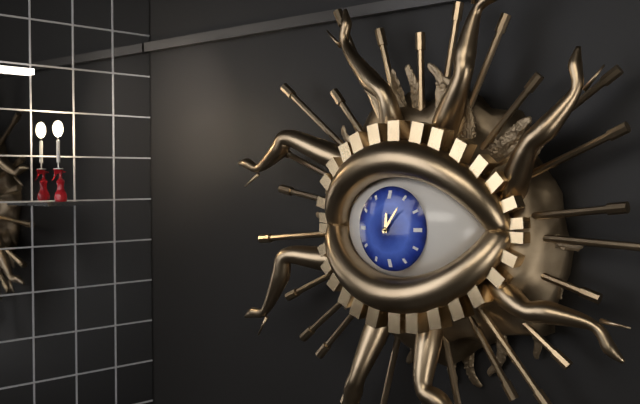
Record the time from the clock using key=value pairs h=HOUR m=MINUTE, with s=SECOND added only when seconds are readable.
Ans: h=12 m=6
